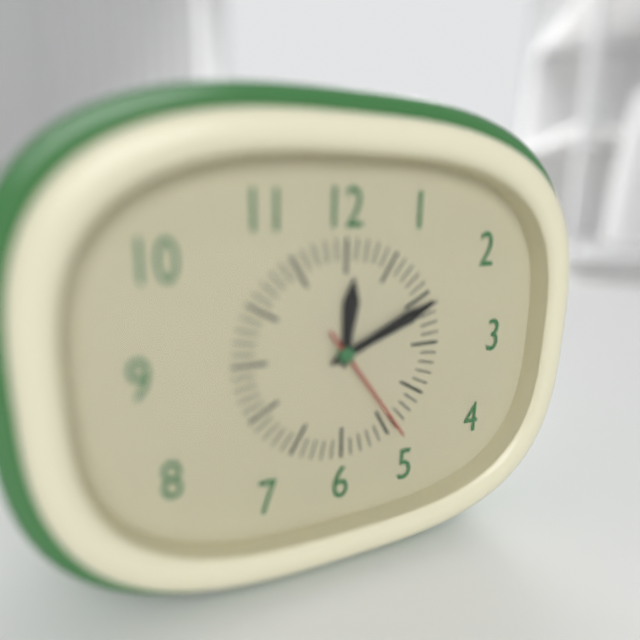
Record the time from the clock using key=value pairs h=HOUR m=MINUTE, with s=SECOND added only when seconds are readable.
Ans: h=12 m=11 s=24
